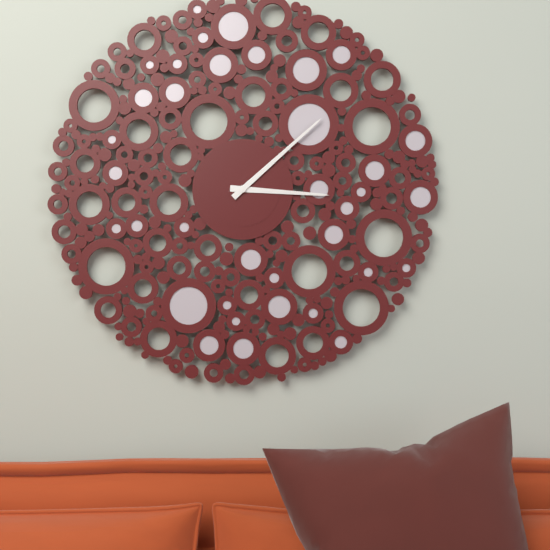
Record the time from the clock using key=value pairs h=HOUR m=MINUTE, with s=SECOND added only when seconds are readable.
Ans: h=3 m=8
